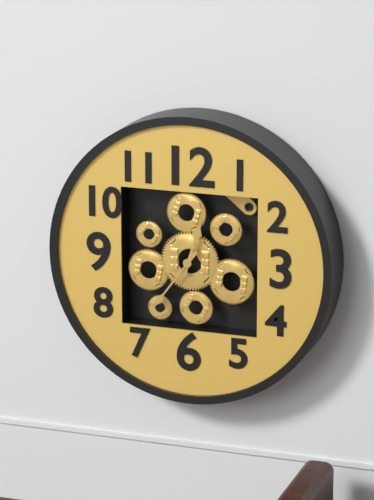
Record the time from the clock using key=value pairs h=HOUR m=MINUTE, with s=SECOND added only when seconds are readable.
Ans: h=12 m=36
